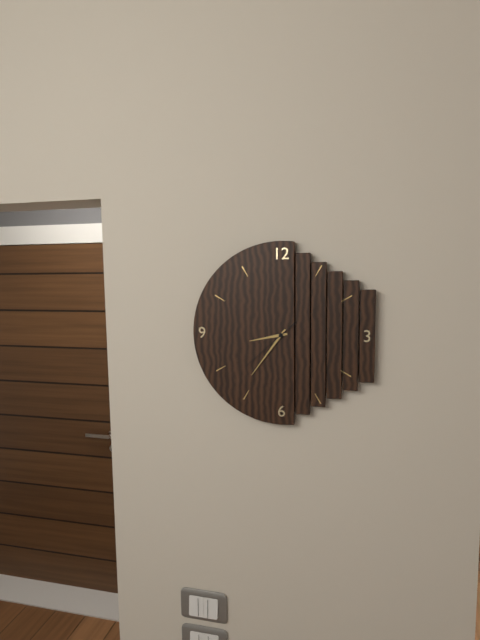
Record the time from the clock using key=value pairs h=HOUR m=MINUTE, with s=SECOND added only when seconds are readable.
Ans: h=8 m=36 s=38
